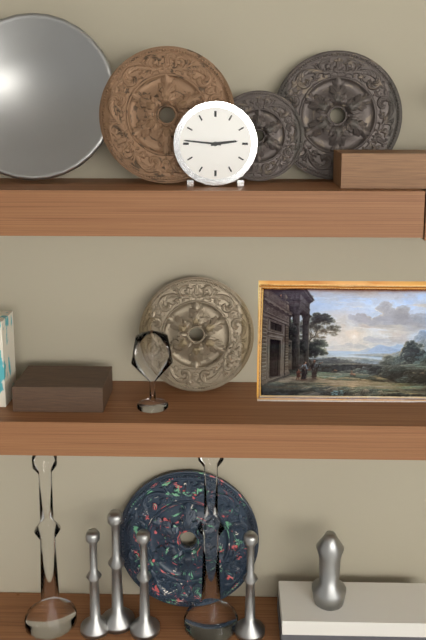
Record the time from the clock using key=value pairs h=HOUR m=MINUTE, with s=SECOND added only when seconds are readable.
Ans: h=2 m=46
